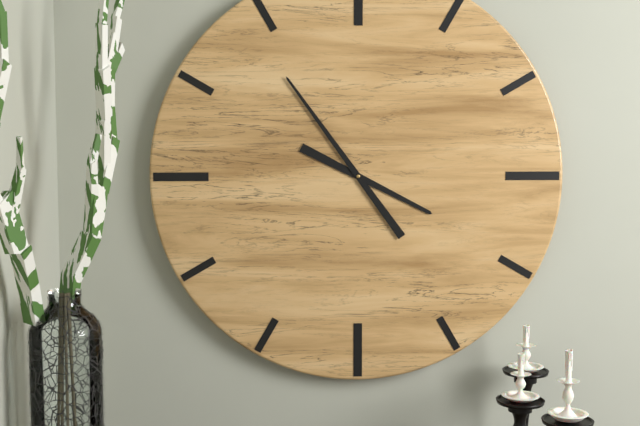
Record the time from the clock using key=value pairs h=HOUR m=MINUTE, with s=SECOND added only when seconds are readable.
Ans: h=3 m=54
